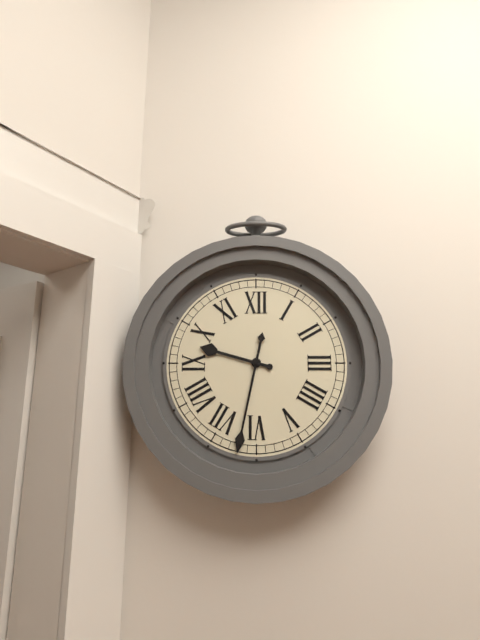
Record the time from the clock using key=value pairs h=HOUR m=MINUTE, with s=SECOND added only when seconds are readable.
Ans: h=9 m=32
